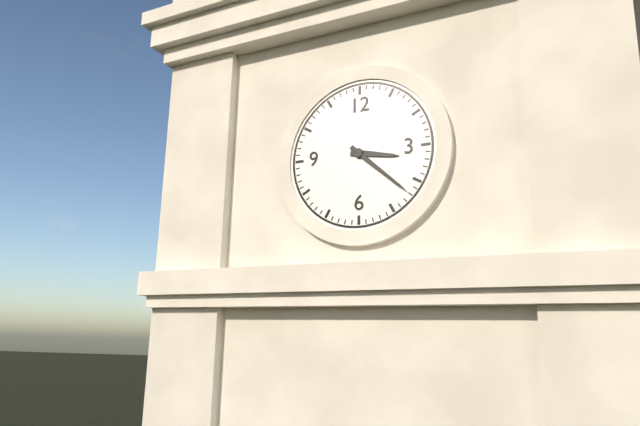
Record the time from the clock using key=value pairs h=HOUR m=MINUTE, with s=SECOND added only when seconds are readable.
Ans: h=3 m=22
